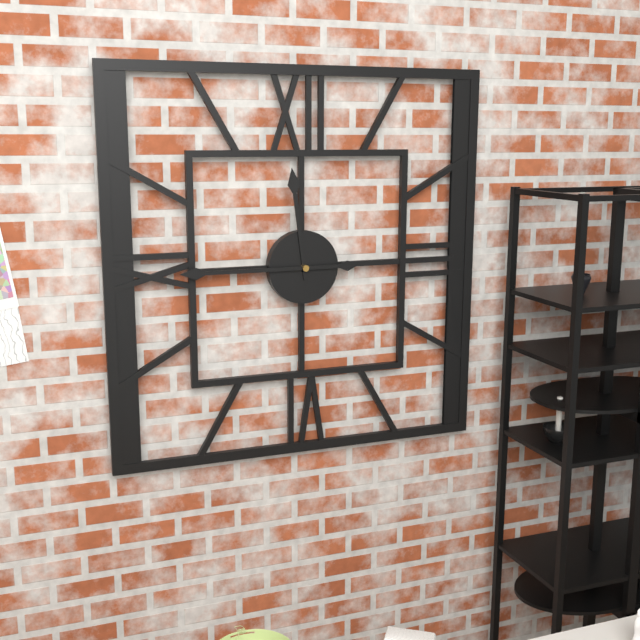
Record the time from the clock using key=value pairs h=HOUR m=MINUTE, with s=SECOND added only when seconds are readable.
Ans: h=11 m=45
